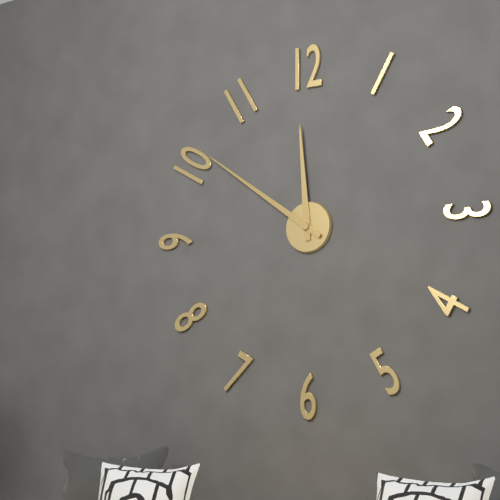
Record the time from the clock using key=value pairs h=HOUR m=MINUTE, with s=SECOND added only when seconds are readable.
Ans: h=11 m=51
